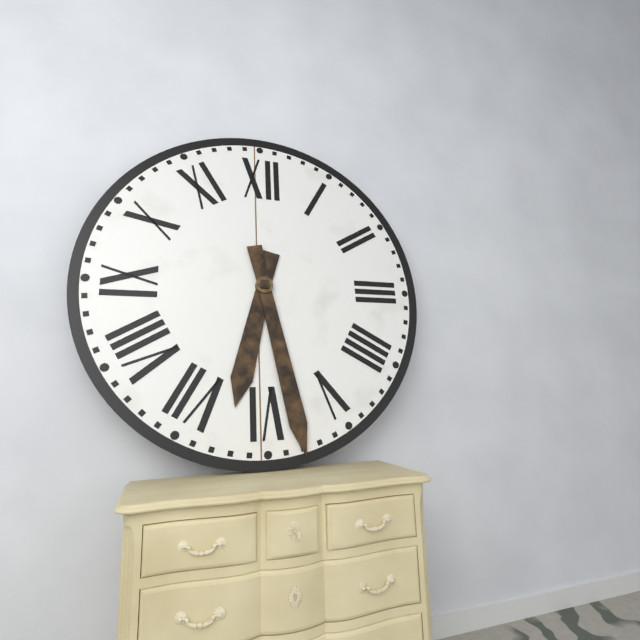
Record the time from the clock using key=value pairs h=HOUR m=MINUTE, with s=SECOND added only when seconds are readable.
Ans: h=6 m=28
